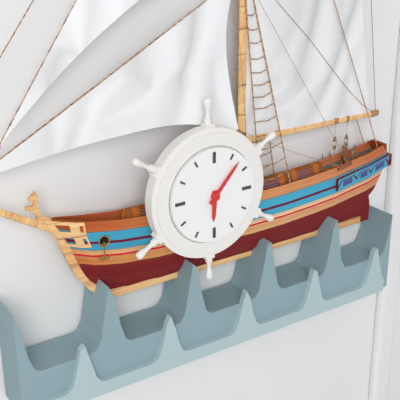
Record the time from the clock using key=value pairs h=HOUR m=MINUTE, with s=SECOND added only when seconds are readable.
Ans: h=6 m=7
